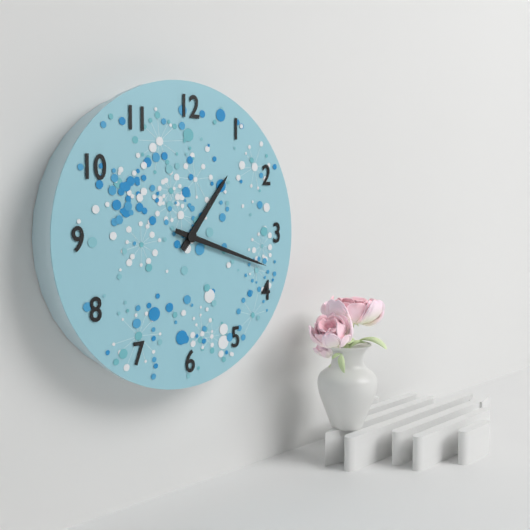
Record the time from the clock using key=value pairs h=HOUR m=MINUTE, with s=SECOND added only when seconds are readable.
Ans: h=1 m=18
